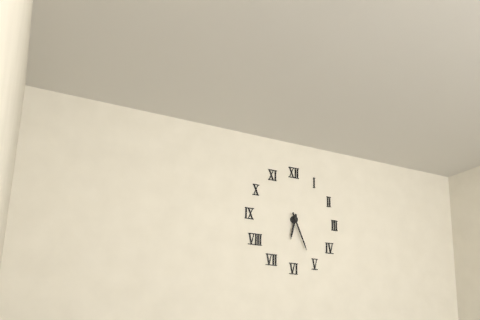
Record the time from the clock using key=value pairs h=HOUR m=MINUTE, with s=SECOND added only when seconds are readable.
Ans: h=6 m=26
